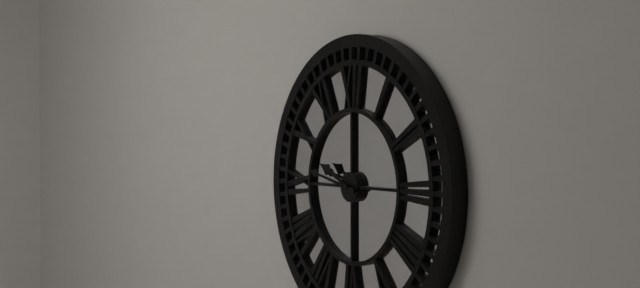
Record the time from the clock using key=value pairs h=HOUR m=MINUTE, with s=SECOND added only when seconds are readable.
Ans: h=9 m=47
